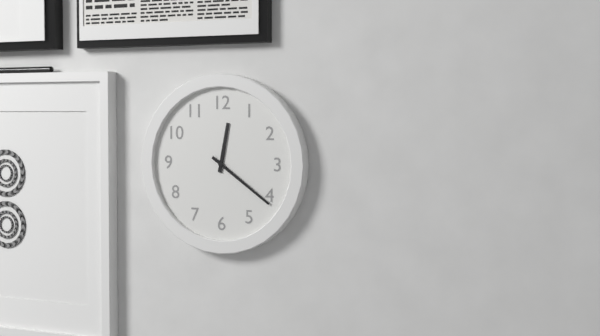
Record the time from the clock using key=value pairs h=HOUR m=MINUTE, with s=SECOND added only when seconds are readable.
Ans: h=12 m=21
